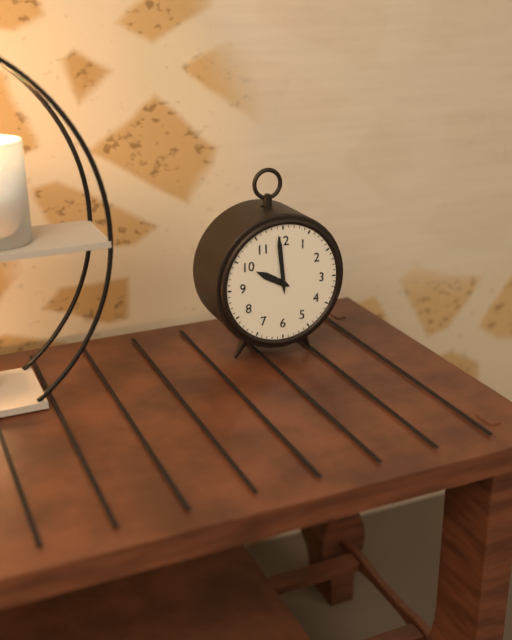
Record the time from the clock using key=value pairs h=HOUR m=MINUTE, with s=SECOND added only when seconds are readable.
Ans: h=9 m=59
